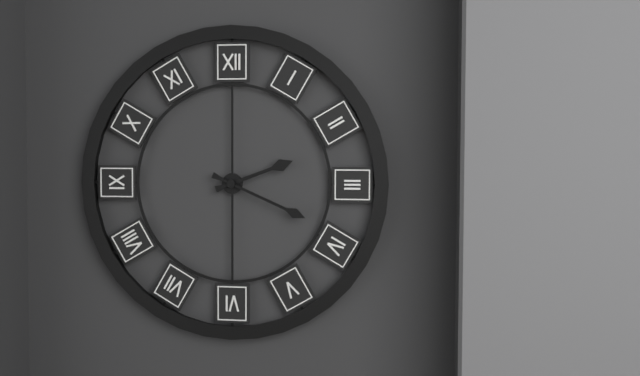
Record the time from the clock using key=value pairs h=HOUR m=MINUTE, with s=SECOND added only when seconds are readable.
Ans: h=2 m=19
